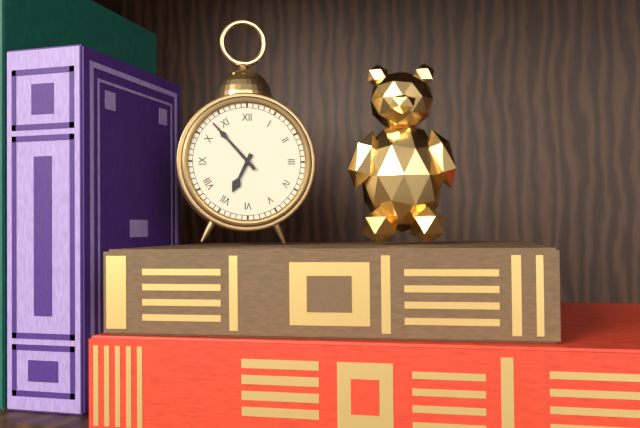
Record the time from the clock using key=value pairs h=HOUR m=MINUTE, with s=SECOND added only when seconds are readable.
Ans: h=6 m=53
